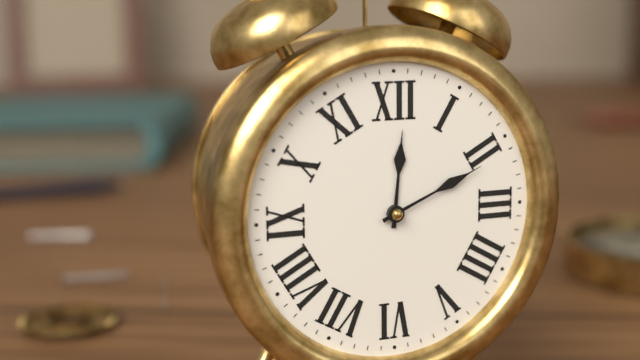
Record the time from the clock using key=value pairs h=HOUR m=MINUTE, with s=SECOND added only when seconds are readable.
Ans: h=12 m=11
